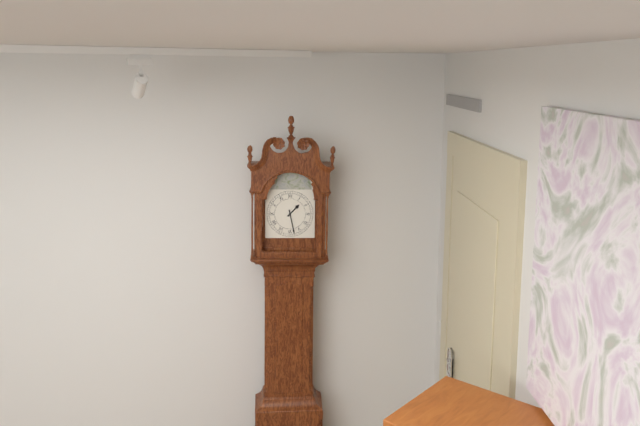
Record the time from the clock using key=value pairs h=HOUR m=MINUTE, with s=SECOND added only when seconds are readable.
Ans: h=1 m=28
